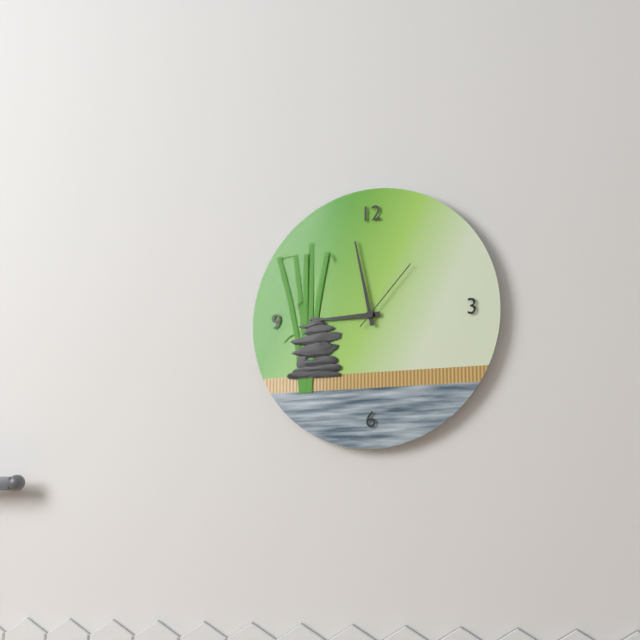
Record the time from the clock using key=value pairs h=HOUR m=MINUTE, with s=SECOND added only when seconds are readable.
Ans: h=8 m=58 s=7
